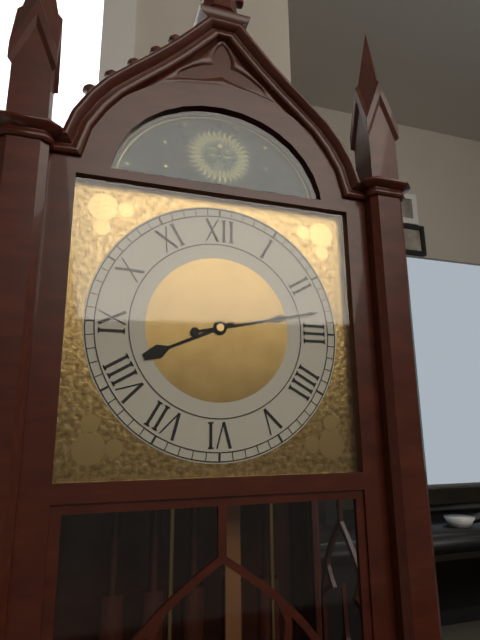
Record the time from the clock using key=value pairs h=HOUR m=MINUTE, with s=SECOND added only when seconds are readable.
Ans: h=8 m=13
